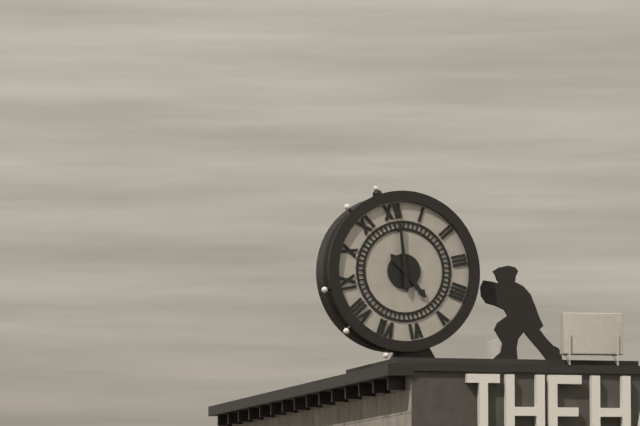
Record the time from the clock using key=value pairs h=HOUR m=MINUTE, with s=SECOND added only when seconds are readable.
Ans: h=5 m=1
